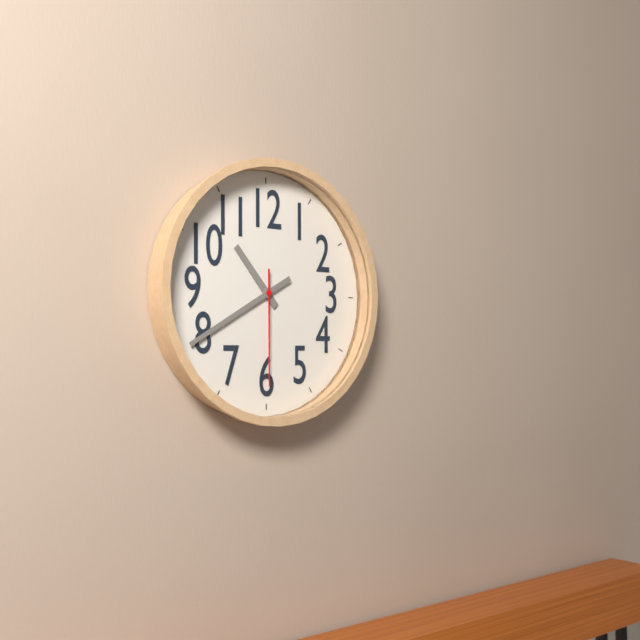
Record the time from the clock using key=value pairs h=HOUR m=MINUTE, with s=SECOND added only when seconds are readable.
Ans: h=10 m=40 s=30
